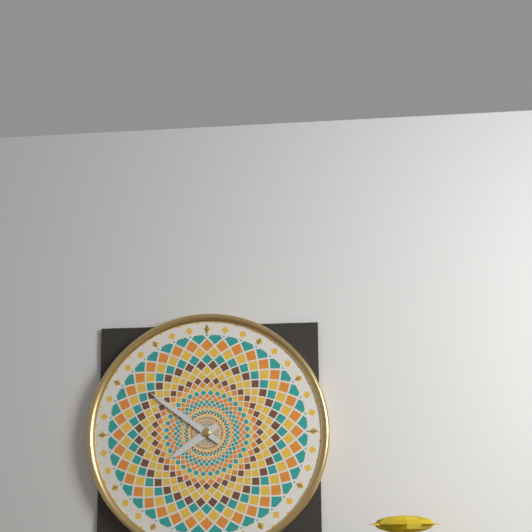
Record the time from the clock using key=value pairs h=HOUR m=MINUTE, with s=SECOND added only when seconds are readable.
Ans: h=7 m=51
